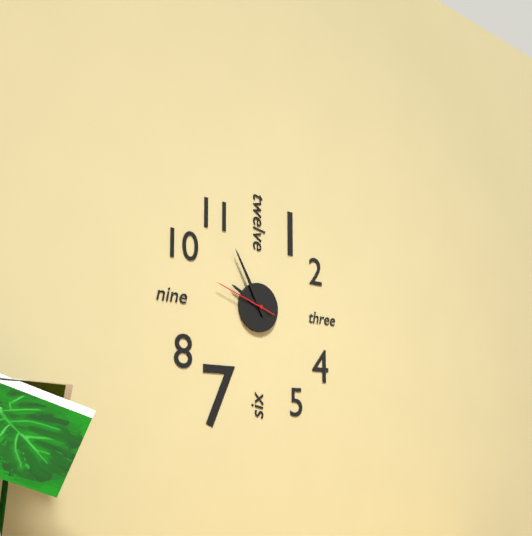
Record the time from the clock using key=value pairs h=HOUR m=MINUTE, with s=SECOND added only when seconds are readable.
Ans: h=9 m=55 s=48
